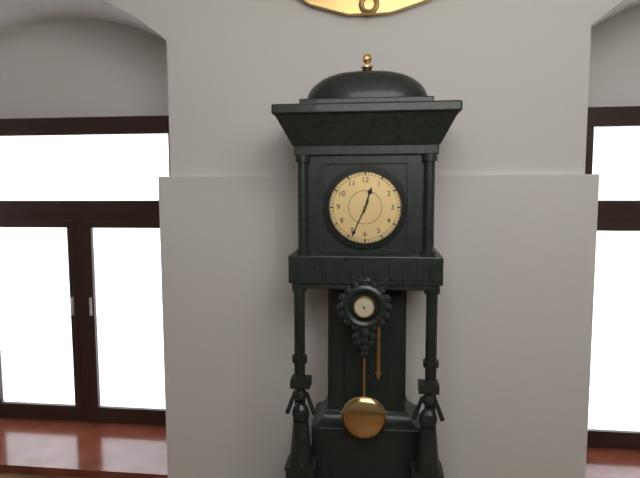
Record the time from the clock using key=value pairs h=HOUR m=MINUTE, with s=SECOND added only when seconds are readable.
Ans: h=12 m=34
